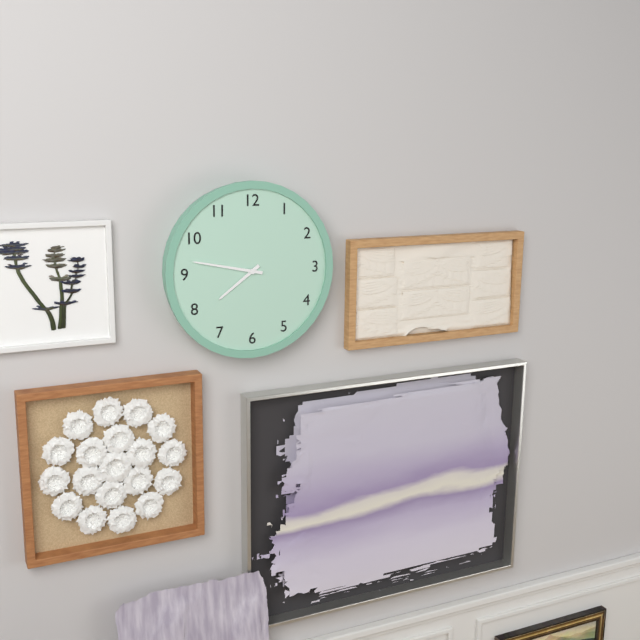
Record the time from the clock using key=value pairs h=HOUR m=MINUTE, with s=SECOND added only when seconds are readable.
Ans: h=7 m=47
